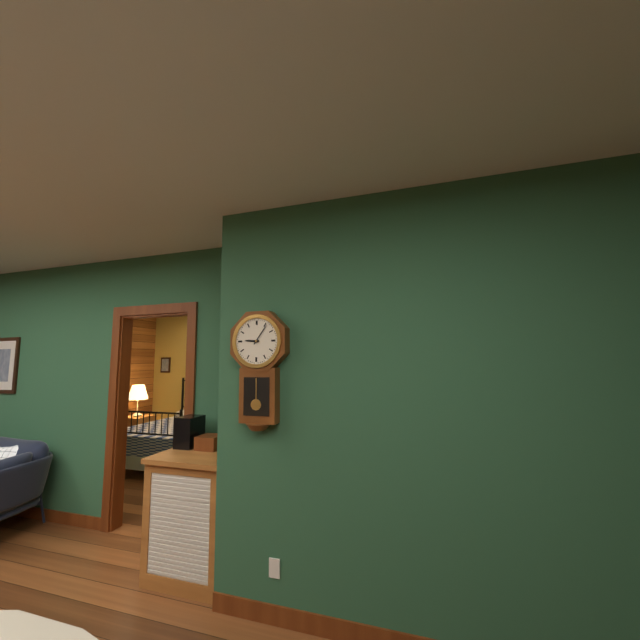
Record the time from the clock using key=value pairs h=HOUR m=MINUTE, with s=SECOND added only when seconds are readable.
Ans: h=9 m=6
